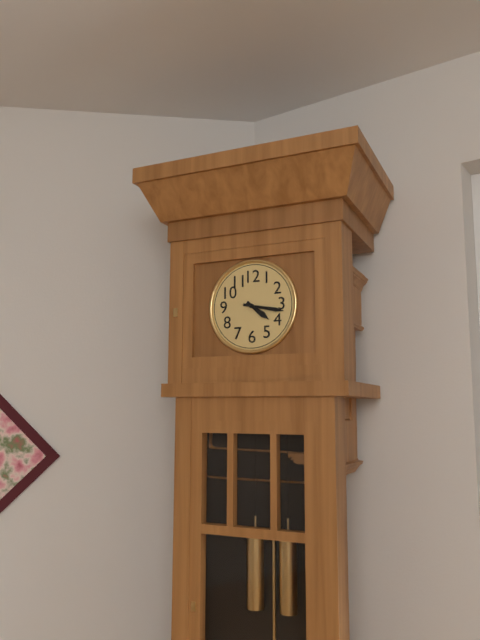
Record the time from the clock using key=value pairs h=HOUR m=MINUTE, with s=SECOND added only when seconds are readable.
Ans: h=4 m=17
